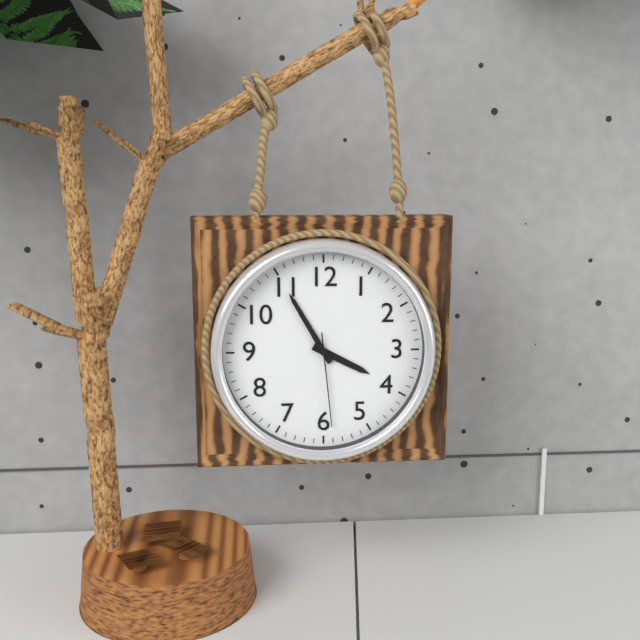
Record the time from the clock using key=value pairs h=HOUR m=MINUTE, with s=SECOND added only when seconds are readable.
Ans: h=3 m=55 s=29
